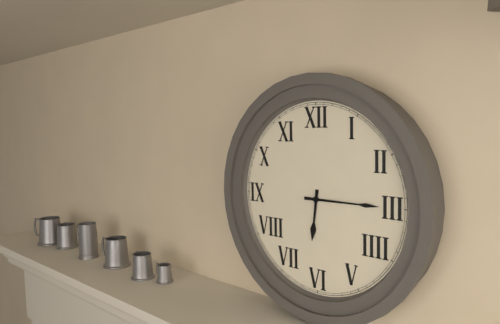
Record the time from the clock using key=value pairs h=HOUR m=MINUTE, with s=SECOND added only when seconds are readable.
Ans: h=6 m=15
